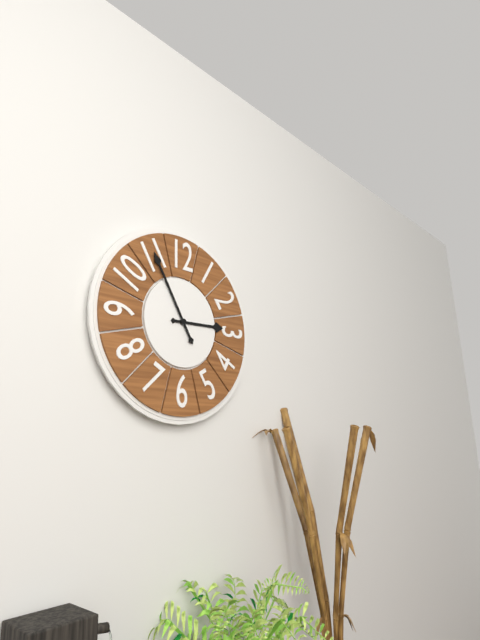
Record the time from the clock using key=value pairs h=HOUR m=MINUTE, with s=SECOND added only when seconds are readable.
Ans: h=2 m=55
